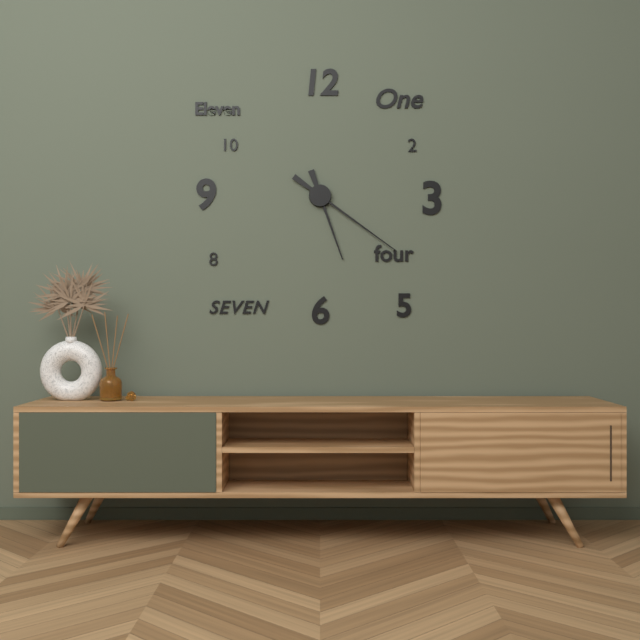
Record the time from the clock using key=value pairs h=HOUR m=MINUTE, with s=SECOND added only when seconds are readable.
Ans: h=5 m=21
